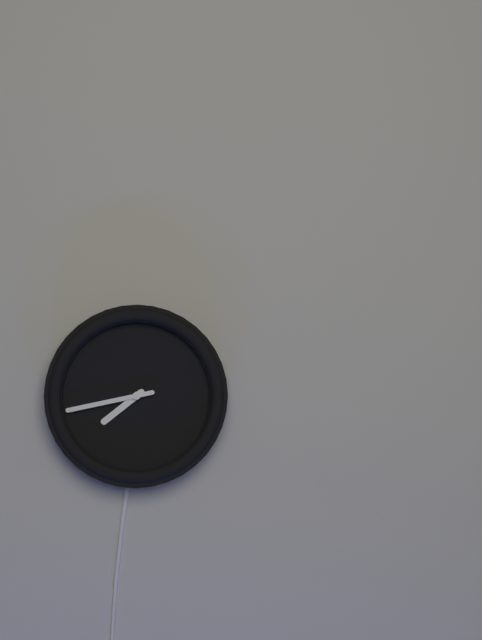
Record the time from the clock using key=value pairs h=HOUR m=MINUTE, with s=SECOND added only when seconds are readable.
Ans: h=7 m=43
